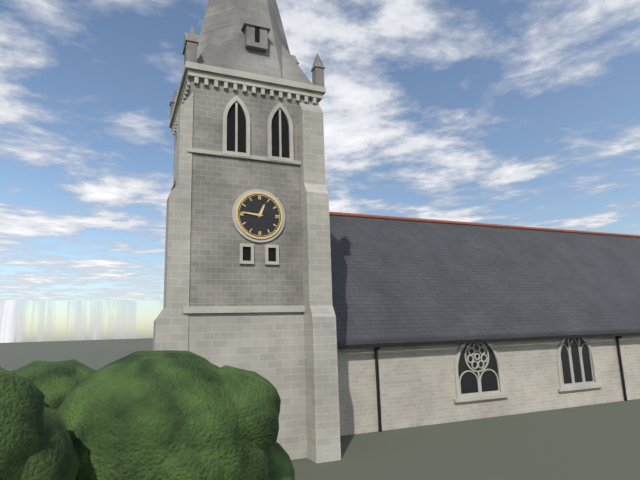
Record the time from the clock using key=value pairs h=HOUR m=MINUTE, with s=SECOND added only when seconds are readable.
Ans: h=12 m=46
